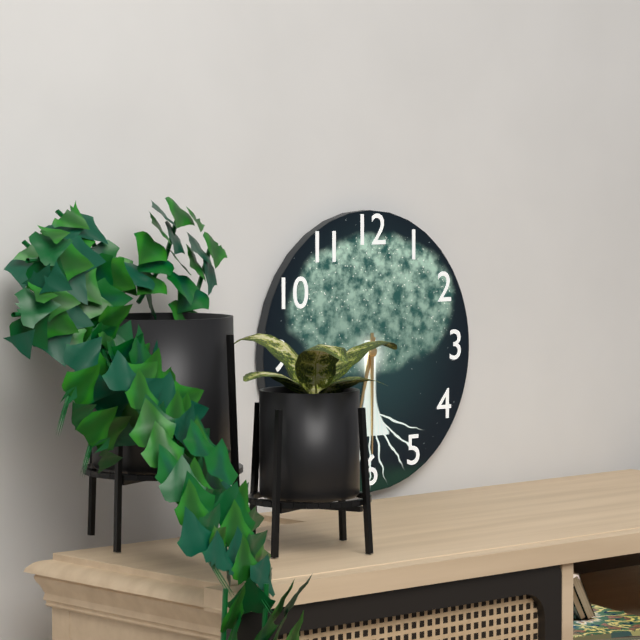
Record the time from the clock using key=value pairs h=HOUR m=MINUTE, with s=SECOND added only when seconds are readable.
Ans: h=6 m=30
